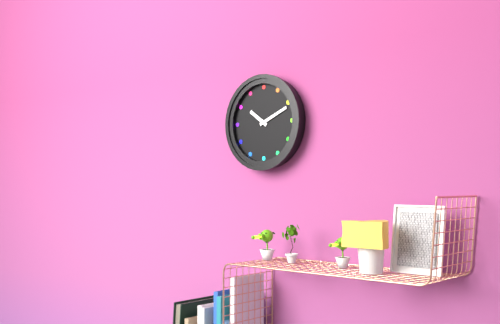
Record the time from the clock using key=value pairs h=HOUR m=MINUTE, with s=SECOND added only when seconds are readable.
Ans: h=10 m=11
